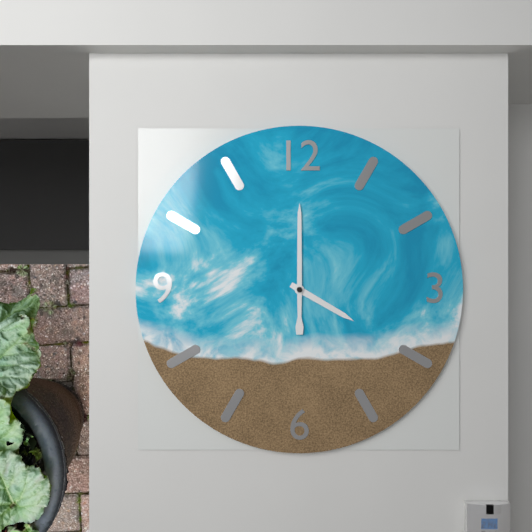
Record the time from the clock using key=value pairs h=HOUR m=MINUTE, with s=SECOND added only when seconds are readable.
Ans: h=4 m=0
